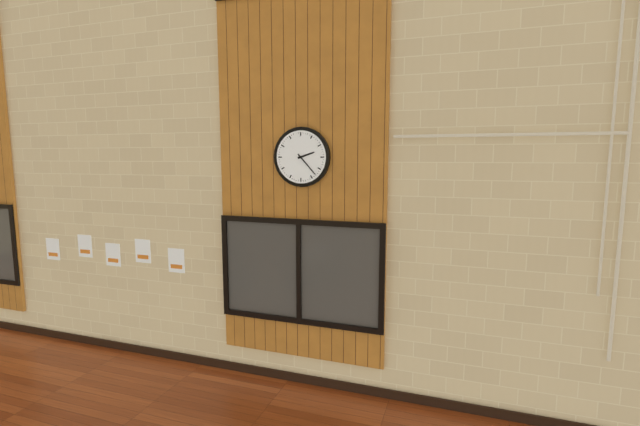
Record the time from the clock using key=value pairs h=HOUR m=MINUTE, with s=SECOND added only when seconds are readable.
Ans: h=2 m=23
